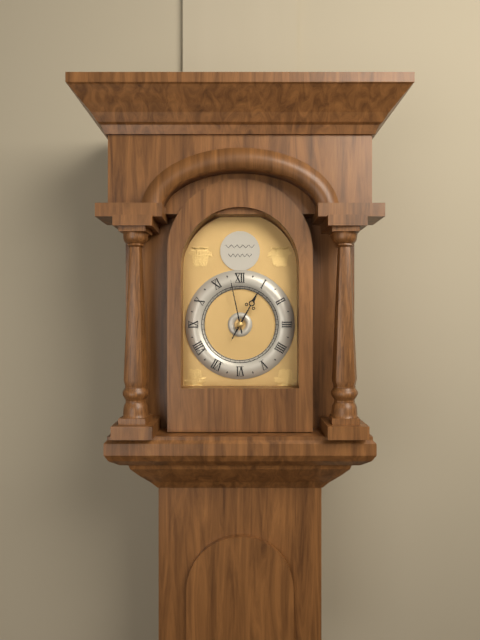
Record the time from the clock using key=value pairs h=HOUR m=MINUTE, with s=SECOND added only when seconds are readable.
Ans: h=12 m=58
